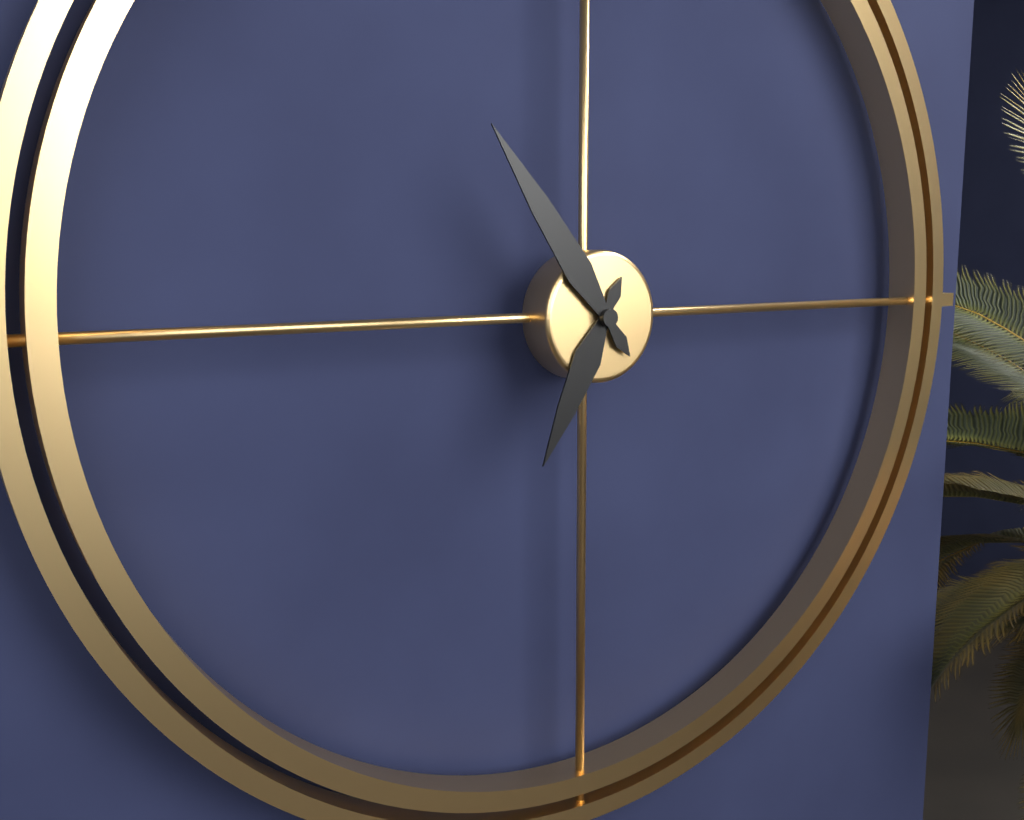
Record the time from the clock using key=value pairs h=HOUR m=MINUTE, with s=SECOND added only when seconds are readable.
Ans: h=6 m=54
